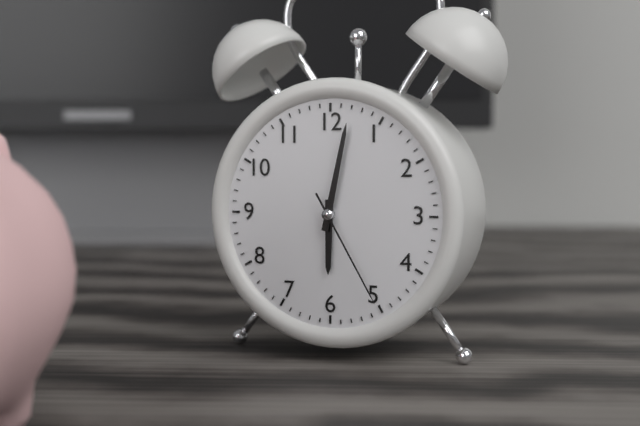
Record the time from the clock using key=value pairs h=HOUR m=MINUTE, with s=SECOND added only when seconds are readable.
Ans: h=6 m=2 s=25
